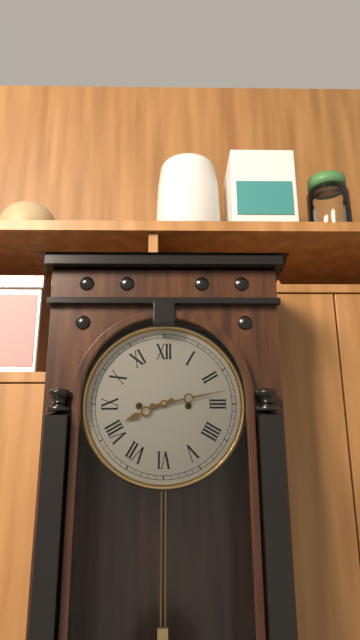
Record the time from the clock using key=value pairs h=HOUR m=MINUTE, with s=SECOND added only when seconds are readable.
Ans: h=8 m=13
